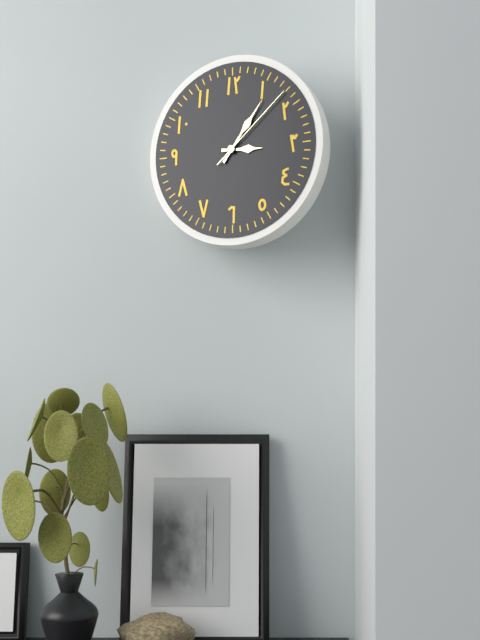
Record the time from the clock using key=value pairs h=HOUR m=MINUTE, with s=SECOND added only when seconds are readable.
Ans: h=3 m=6 s=8
